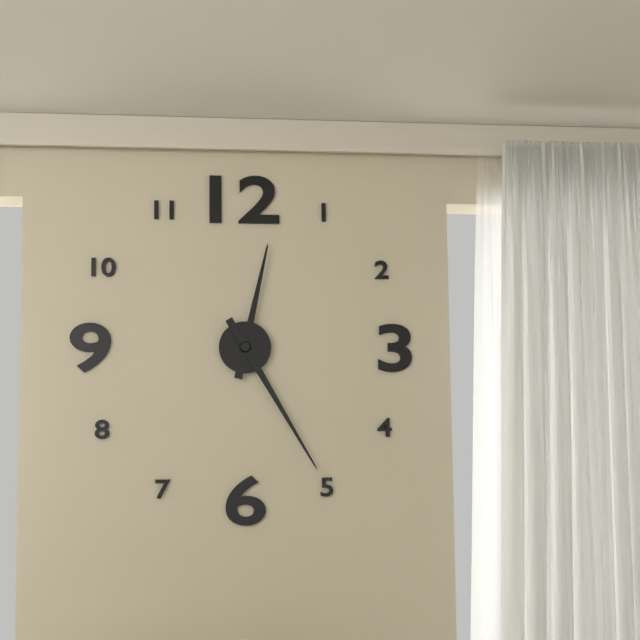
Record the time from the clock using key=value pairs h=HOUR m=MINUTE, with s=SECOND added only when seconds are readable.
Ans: h=12 m=25
